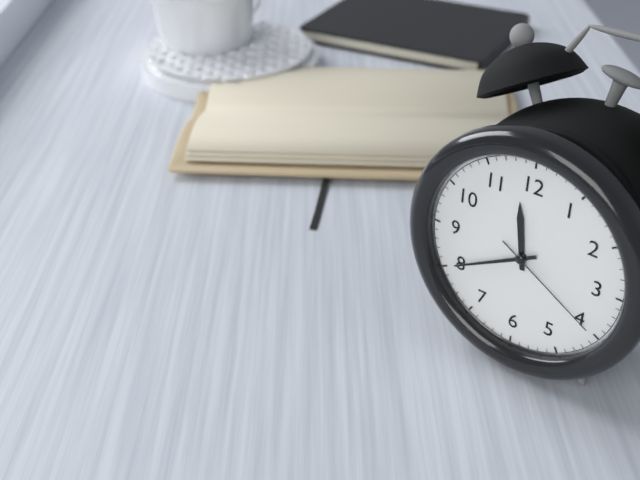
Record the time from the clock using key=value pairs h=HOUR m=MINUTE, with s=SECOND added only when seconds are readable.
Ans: h=11 m=40 s=20
